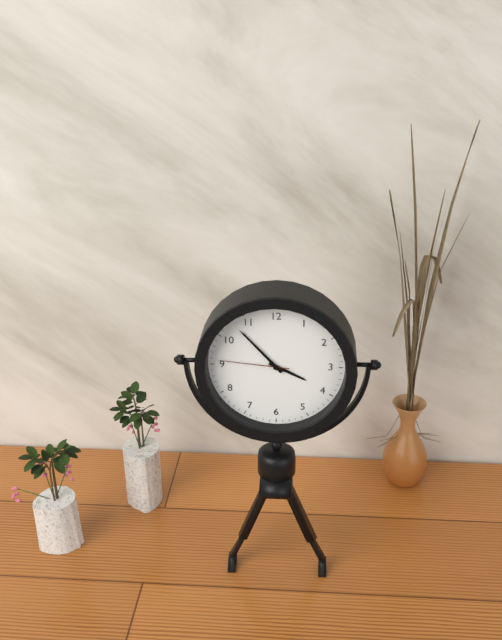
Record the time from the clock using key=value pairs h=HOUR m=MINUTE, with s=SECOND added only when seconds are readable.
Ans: h=3 m=53 s=46
